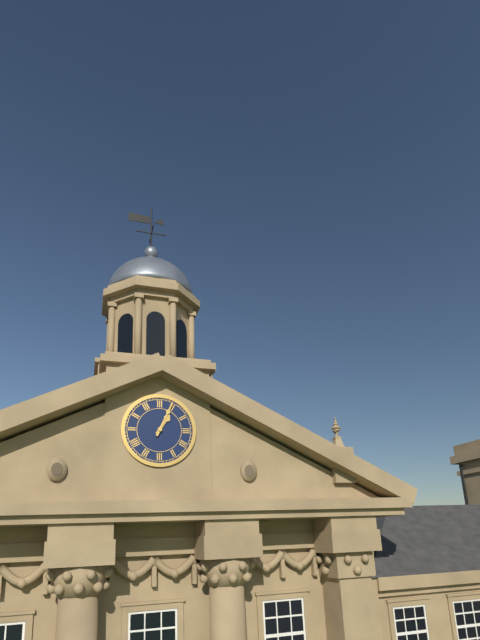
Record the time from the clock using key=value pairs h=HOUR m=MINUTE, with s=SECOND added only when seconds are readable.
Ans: h=1 m=4
